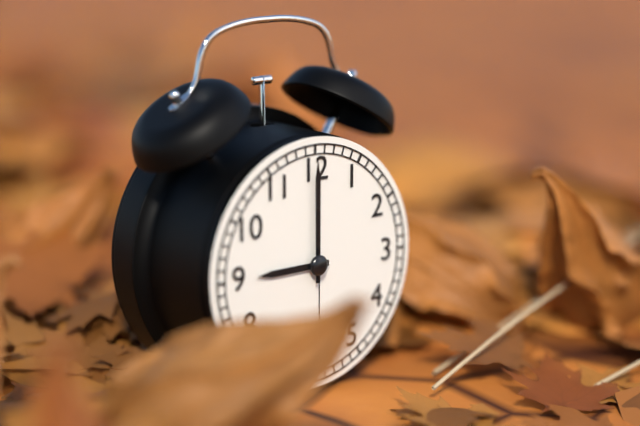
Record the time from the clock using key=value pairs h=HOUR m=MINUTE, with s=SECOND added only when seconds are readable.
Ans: h=9 m=0 s=30
